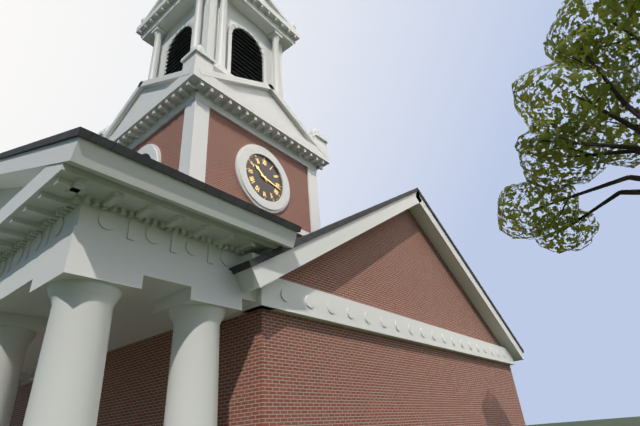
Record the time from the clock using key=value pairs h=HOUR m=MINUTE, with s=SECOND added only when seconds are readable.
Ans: h=10 m=17
